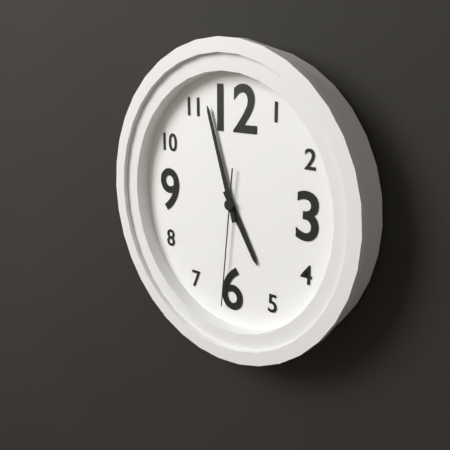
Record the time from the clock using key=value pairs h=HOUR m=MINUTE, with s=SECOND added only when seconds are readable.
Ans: h=4 m=57 s=31
